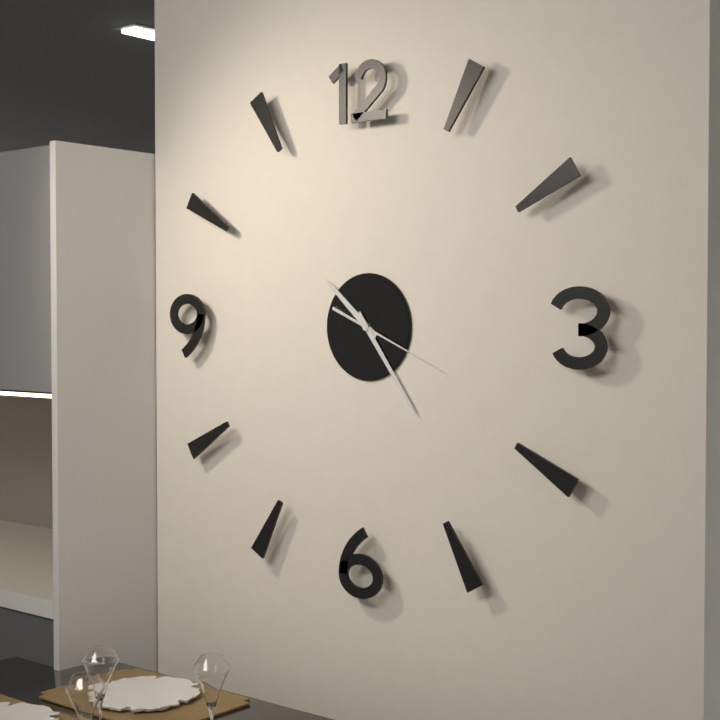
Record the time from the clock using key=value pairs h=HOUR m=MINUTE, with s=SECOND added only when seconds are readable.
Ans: h=10 m=24 s=19
